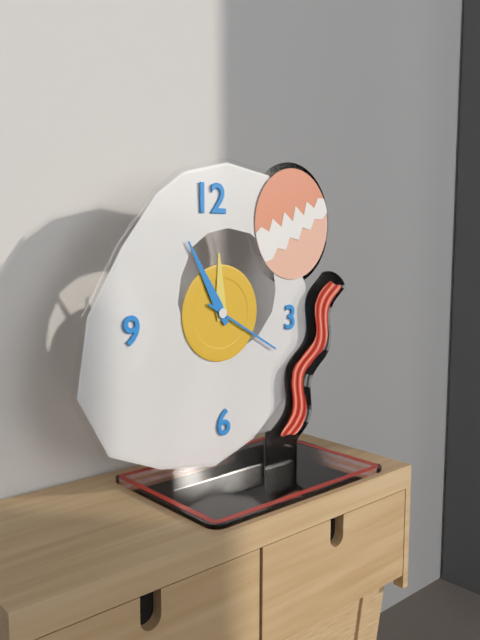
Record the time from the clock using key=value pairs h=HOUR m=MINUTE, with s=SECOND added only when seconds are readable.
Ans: h=11 m=55 s=20
